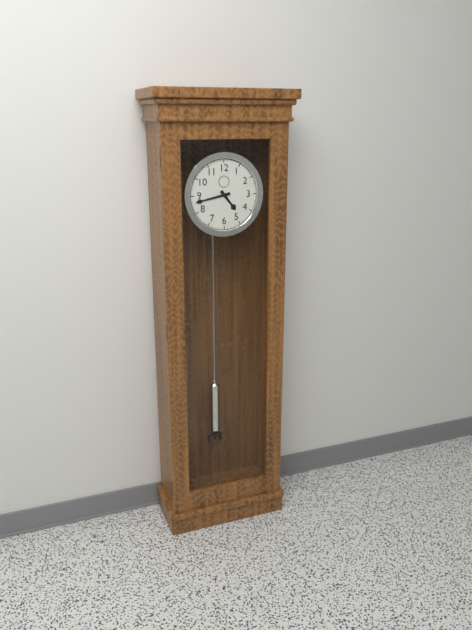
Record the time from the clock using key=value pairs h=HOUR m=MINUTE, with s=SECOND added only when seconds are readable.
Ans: h=4 m=43
